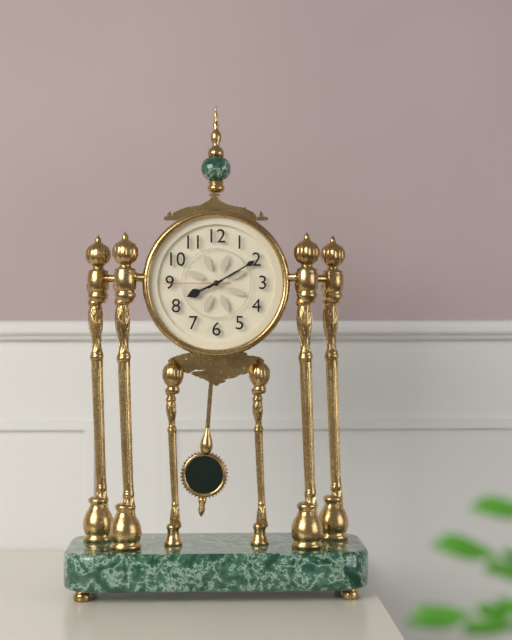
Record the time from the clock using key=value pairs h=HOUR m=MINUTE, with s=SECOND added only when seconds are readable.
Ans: h=8 m=10 s=45
